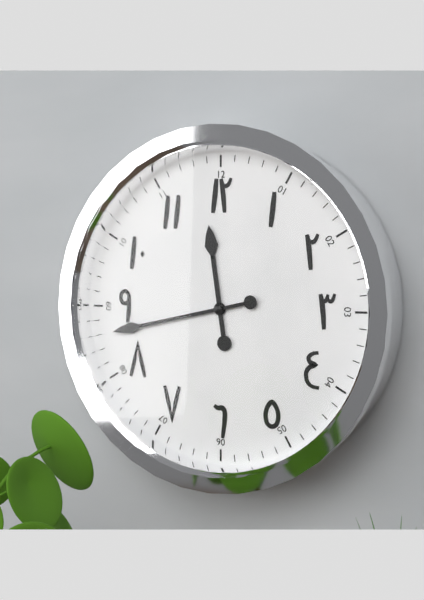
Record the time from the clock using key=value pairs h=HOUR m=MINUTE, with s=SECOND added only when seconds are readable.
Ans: h=11 m=43
